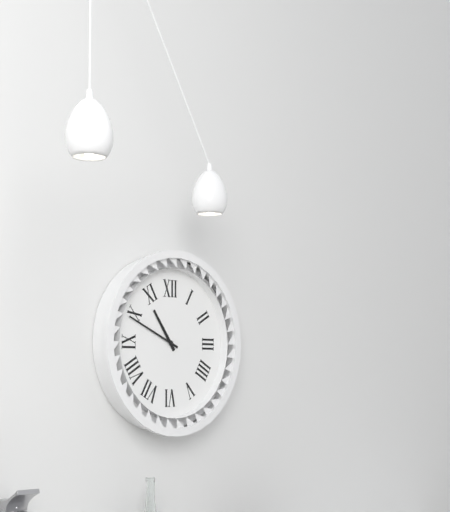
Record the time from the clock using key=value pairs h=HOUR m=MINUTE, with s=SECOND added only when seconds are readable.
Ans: h=10 m=49
